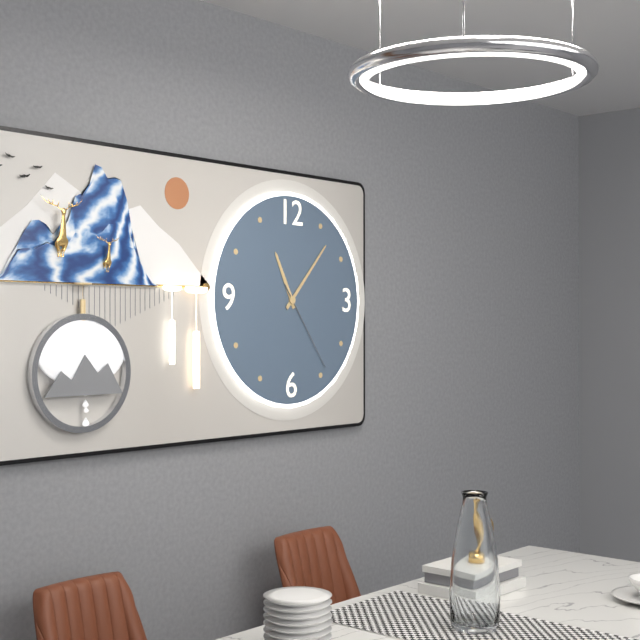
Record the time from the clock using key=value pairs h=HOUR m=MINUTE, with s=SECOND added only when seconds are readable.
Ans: h=11 m=7 s=24
